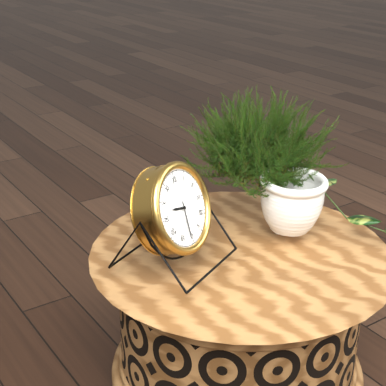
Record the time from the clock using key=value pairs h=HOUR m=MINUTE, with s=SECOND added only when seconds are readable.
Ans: h=9 m=31
